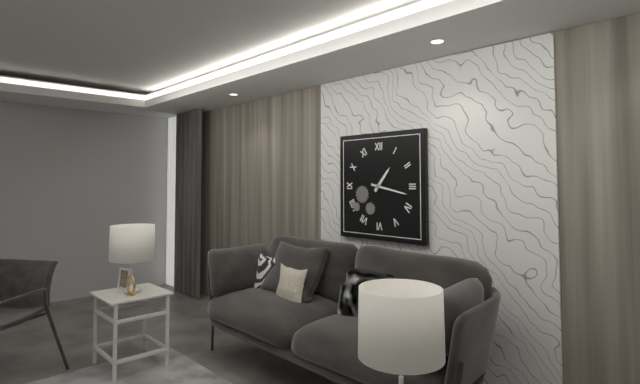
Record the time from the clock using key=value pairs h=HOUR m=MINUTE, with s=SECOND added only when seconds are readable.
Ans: h=1 m=17
